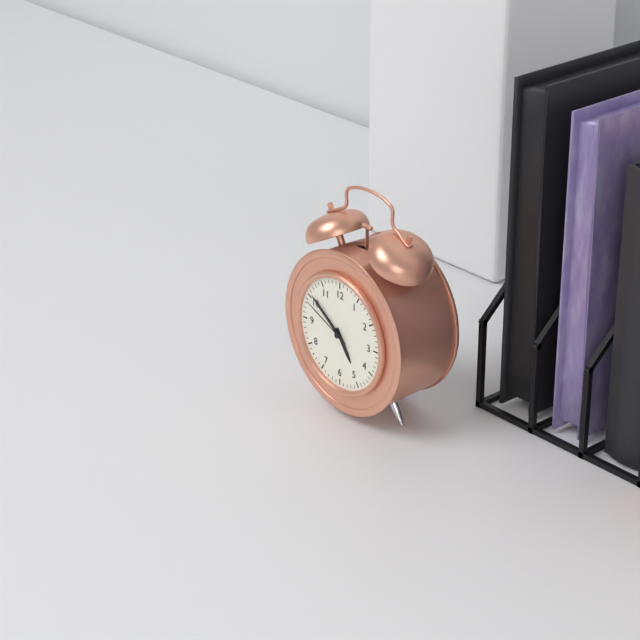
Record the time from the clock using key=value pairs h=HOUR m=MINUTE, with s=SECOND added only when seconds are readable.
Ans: h=4 m=51 s=49
